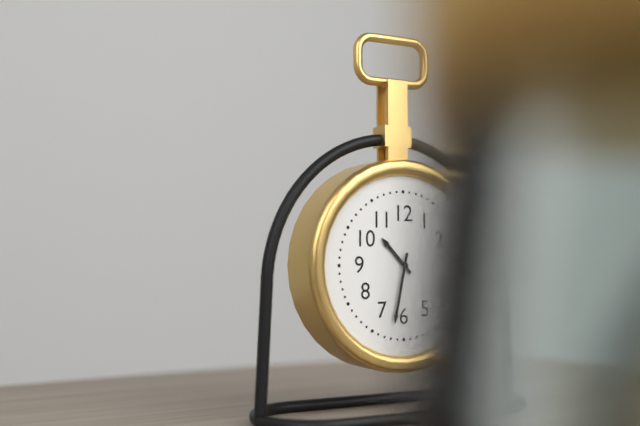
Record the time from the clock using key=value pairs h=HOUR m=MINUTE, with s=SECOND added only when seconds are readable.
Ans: h=10 m=32
